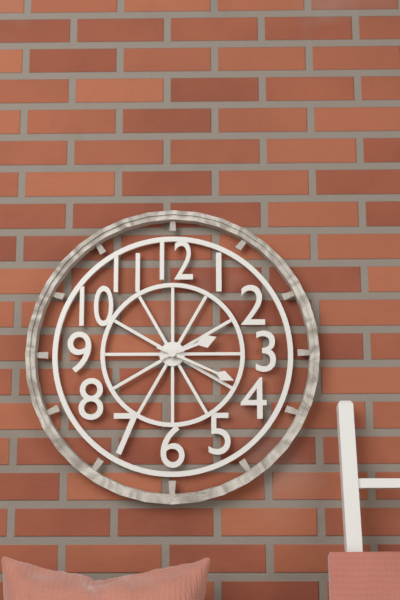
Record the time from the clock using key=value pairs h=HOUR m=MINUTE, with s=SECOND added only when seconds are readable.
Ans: h=2 m=19
